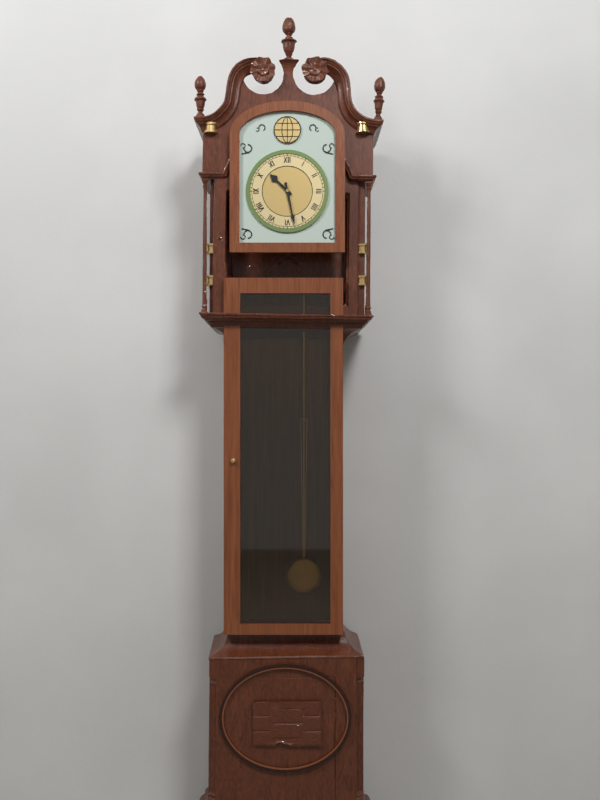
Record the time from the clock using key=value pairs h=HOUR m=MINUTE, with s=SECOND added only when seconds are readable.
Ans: h=10 m=28
